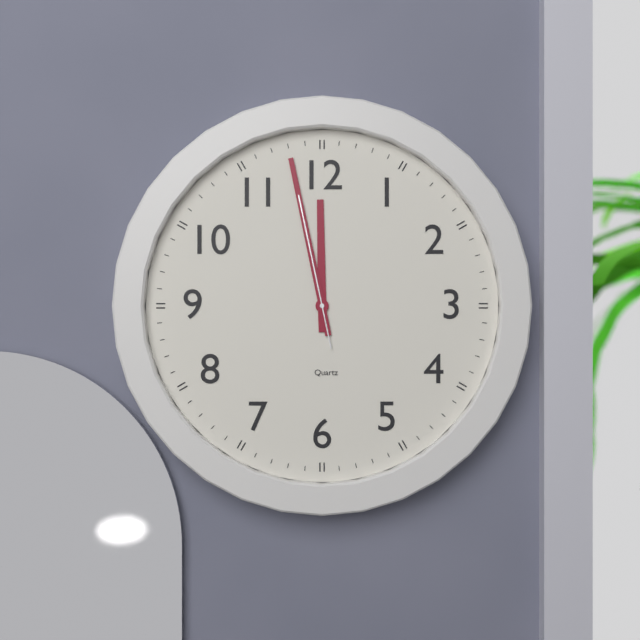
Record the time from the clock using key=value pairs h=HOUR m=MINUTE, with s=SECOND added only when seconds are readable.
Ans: h=11 m=58 s=58
